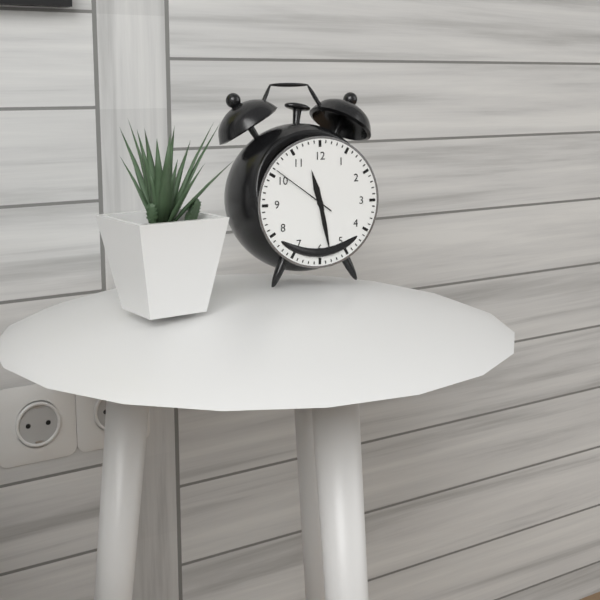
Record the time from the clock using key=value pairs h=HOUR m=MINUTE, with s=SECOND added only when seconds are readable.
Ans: h=11 m=28 s=51
